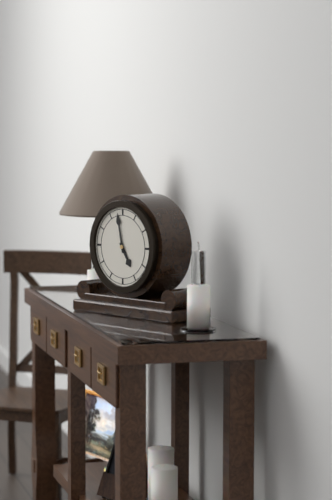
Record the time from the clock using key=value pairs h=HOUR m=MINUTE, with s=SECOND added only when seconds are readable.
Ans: h=4 m=58
